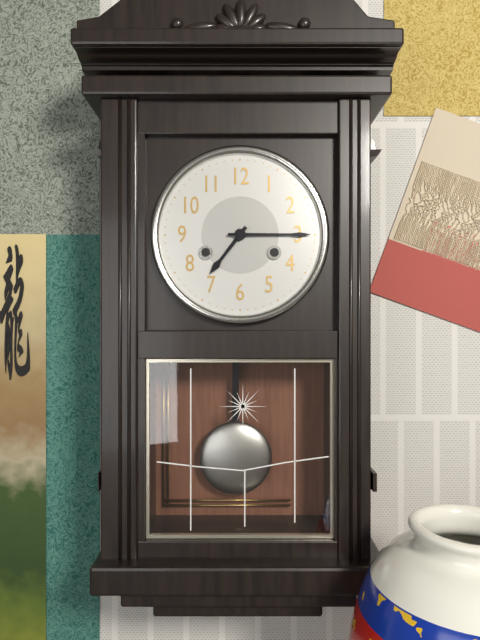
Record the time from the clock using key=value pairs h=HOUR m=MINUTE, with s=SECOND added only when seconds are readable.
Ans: h=7 m=15
